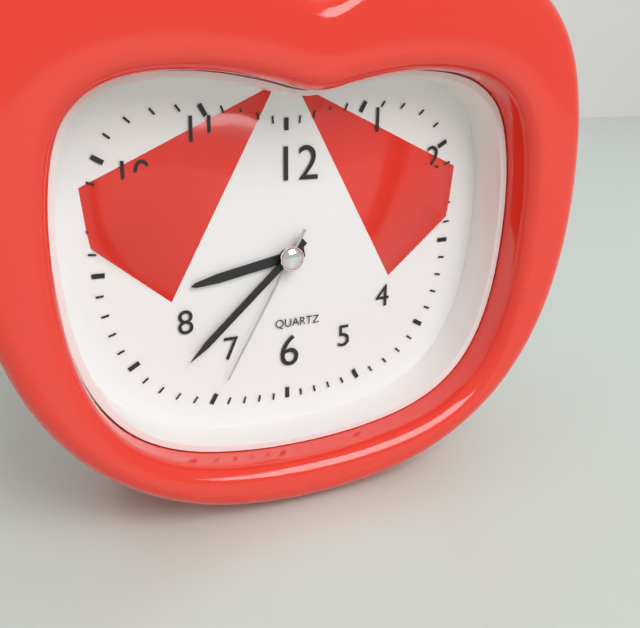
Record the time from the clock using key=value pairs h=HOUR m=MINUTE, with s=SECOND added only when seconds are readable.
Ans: h=8 m=38 s=35
